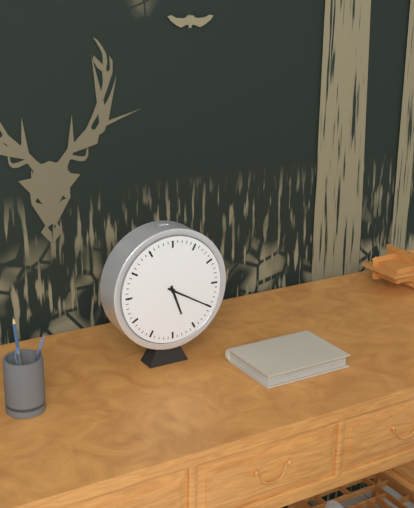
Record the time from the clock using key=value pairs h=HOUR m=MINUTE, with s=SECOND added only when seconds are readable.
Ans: h=5 m=20
